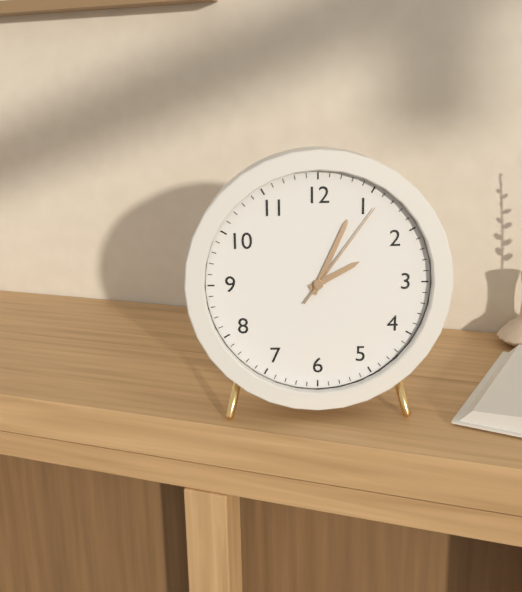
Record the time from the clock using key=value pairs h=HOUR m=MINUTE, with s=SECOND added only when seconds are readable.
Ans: h=2 m=4 s=6
